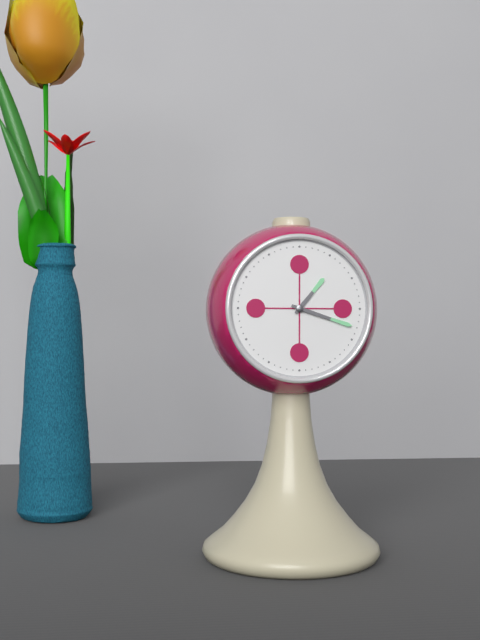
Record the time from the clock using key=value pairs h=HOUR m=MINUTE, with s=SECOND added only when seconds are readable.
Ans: h=1 m=18
